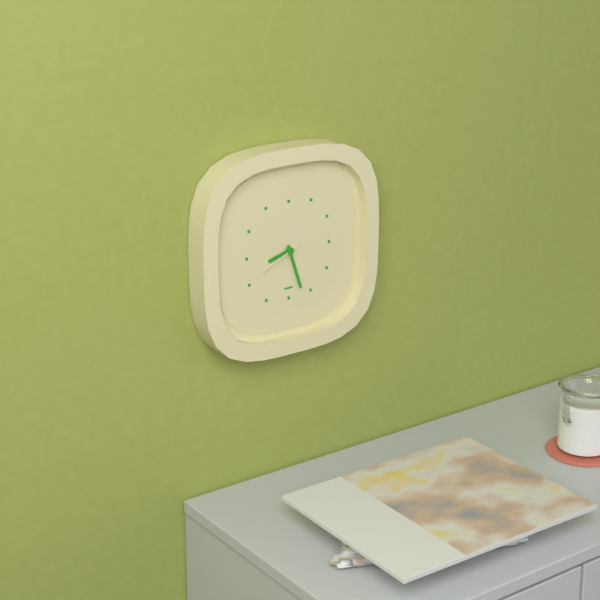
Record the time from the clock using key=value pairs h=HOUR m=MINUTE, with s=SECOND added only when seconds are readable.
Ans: h=8 m=27
